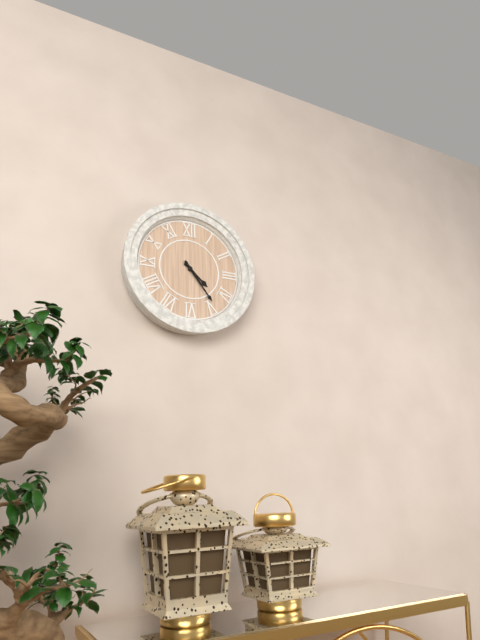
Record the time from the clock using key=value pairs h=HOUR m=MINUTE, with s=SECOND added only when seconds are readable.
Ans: h=4 m=24
